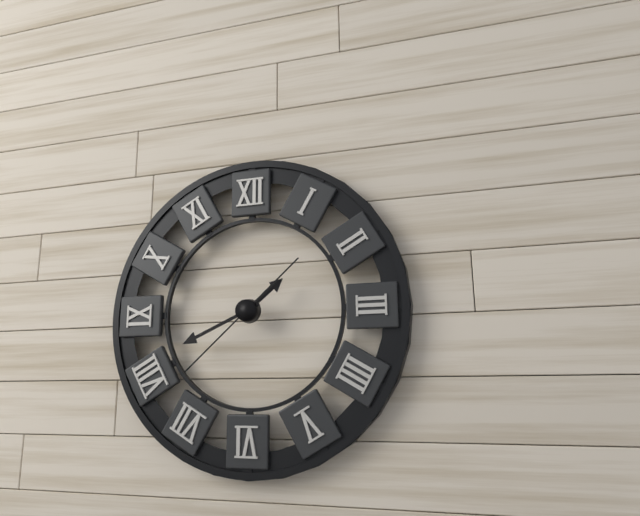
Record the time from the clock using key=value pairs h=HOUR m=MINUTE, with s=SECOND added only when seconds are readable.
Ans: h=1 m=41 s=38
